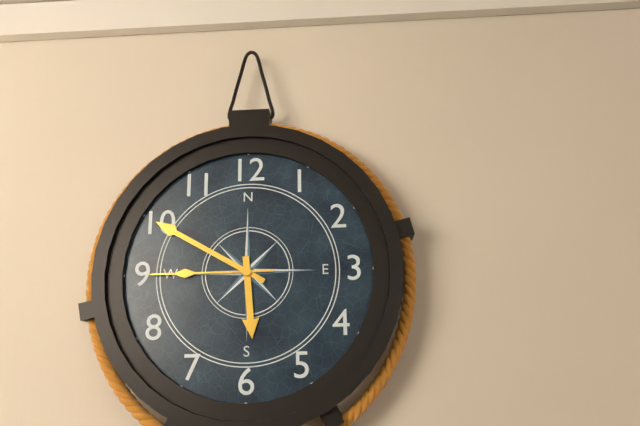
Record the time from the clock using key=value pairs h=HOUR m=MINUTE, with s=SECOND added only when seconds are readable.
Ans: h=5 m=50 s=45
